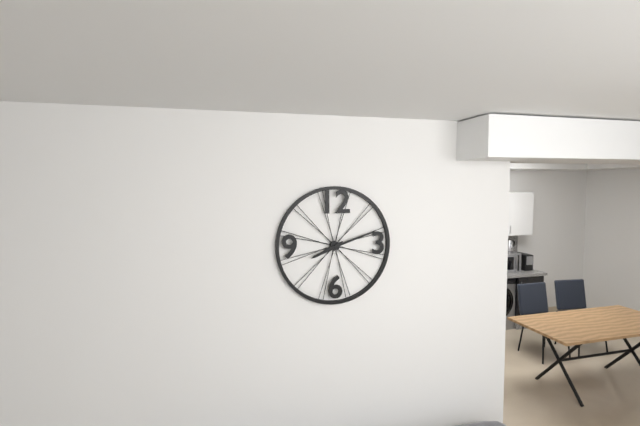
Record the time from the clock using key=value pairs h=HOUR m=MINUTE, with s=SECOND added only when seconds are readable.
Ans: h=8 m=12
